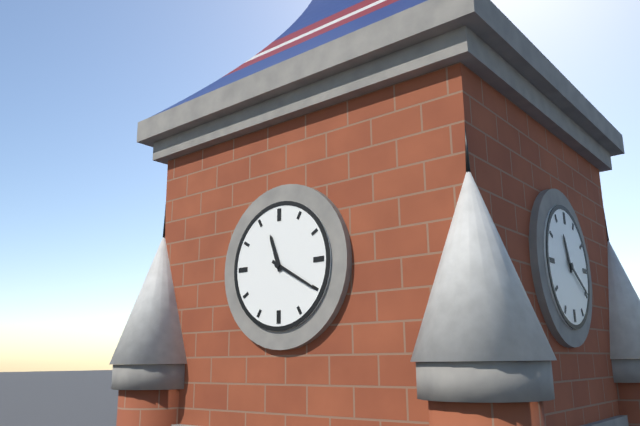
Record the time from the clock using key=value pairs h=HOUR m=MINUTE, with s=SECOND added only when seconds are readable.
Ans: h=11 m=20
